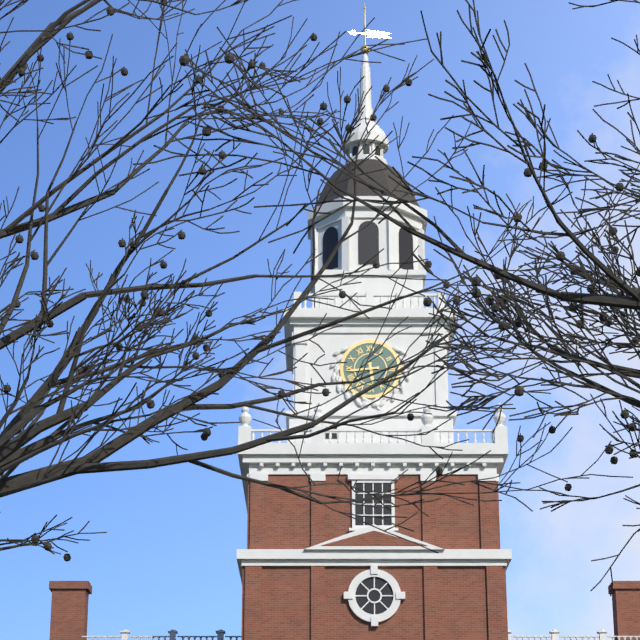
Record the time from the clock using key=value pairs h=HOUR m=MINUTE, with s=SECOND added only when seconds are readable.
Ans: h=5 m=44
